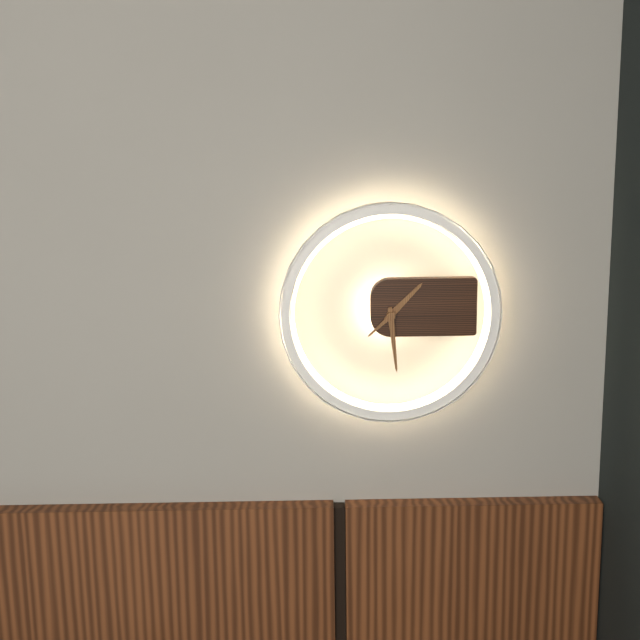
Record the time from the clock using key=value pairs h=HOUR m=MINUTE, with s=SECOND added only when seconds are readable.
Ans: h=1 m=29
